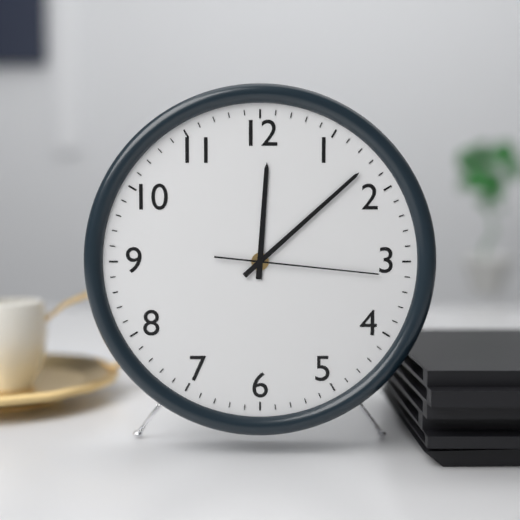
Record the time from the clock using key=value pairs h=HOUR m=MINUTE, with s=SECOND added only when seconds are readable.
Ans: h=12 m=8 s=16
